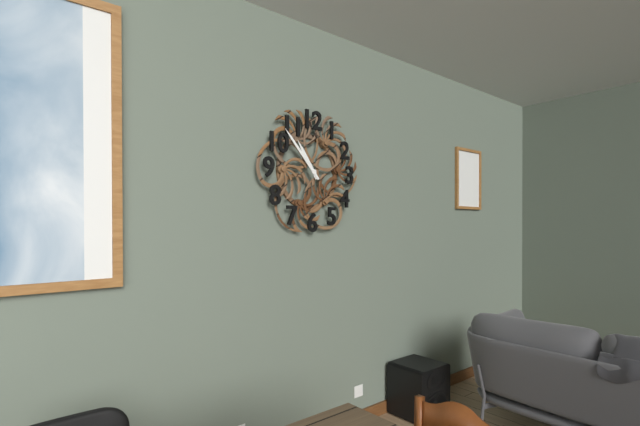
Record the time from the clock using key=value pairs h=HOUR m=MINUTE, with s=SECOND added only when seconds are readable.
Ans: h=10 m=53
